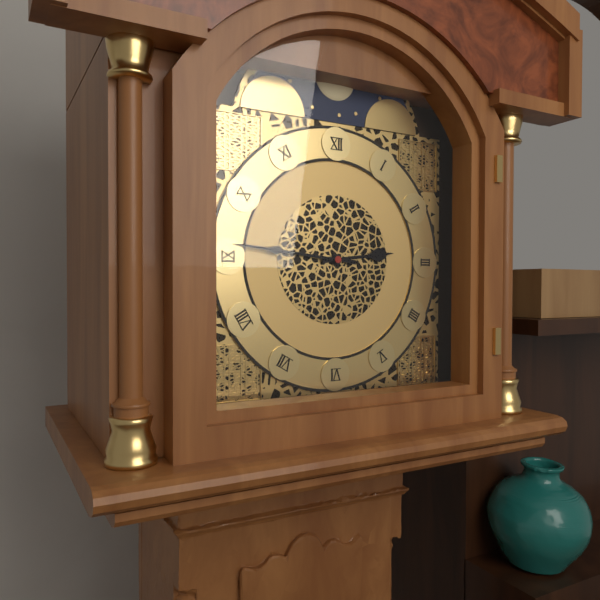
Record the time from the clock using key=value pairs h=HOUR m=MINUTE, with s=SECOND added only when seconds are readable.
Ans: h=2 m=46
